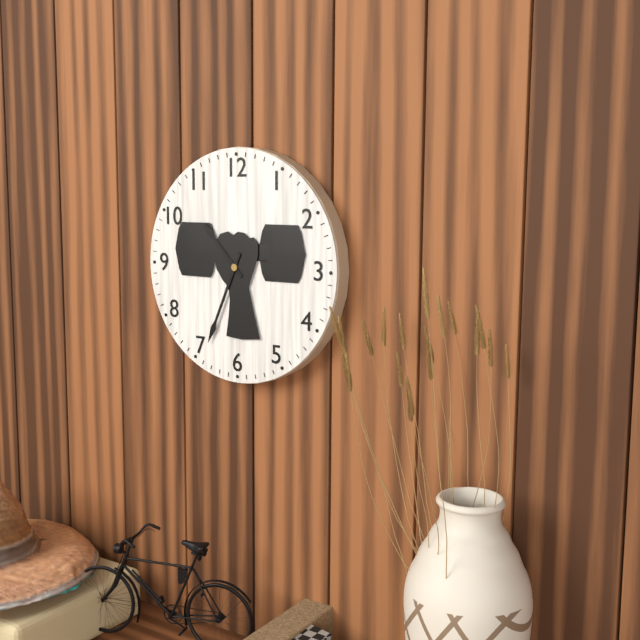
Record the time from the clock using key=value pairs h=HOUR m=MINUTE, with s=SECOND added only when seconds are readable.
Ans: h=10 m=34
